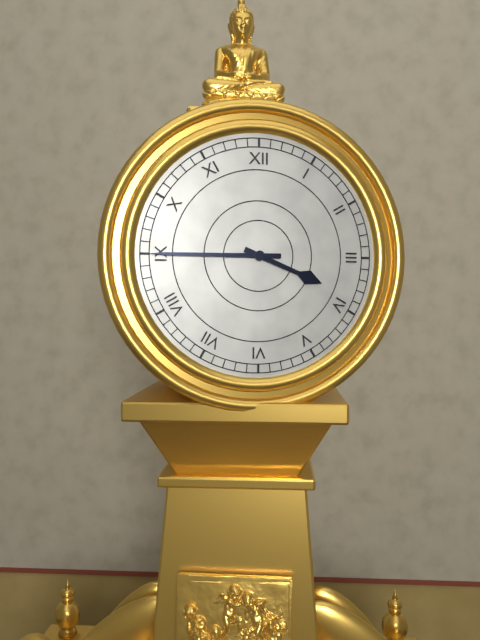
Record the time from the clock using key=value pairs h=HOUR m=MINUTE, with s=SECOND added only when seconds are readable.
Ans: h=3 m=45
